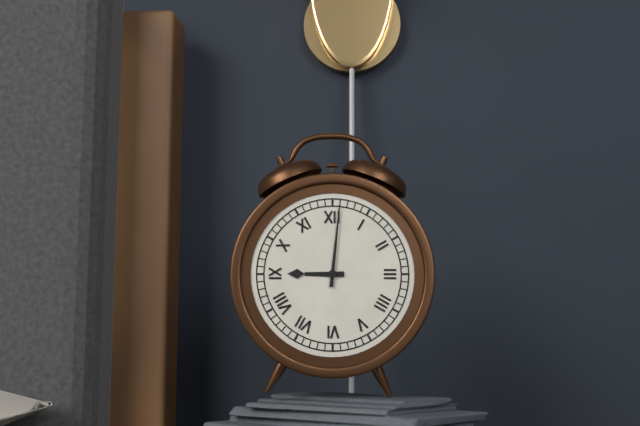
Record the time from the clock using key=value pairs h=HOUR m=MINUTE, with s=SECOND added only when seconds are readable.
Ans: h=9 m=1
